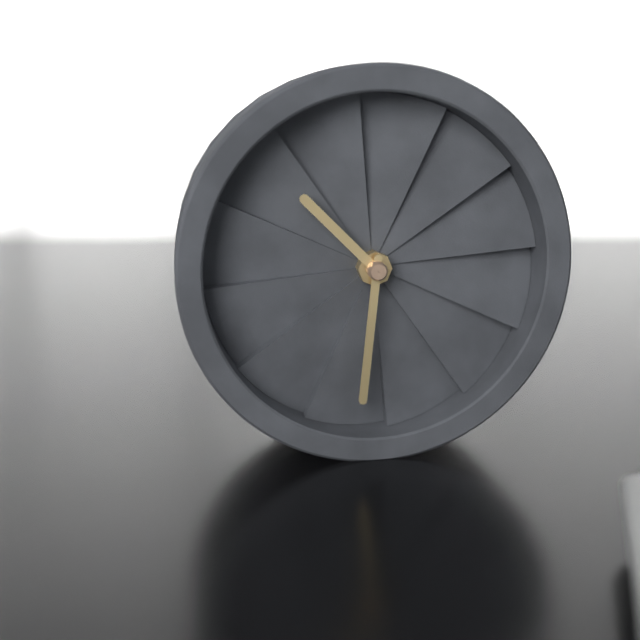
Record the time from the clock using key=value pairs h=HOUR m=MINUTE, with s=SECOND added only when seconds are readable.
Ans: h=10 m=31
